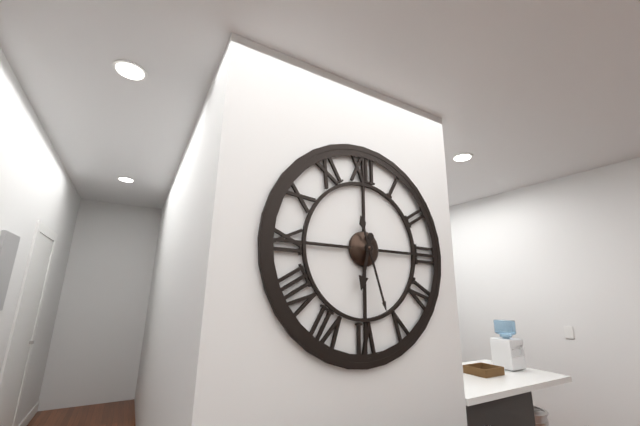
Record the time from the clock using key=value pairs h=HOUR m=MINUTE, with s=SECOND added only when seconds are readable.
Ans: h=6 m=27
